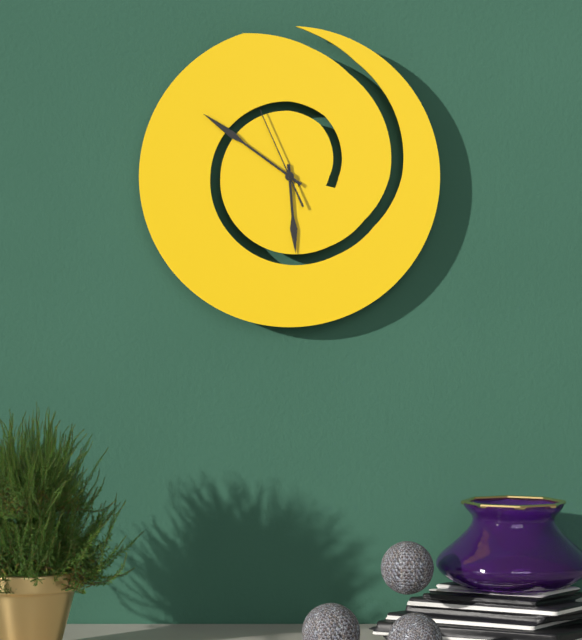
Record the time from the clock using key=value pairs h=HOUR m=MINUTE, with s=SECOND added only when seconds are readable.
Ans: h=5 m=51 s=56
